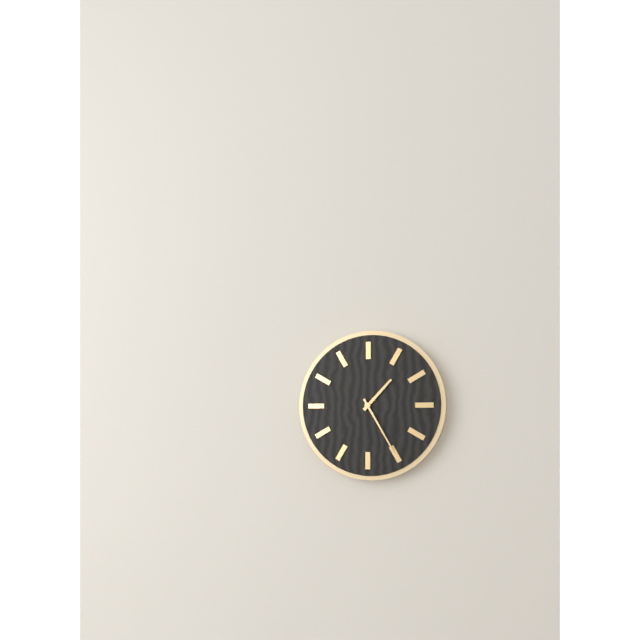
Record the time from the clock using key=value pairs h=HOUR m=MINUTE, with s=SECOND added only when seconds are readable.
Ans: h=1 m=25
